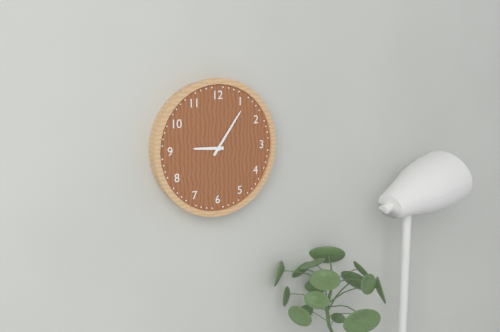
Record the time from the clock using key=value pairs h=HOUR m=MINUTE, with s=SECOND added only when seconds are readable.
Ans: h=9 m=6
